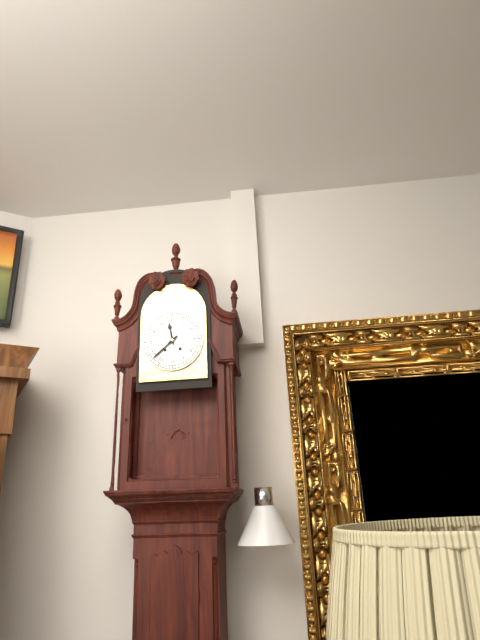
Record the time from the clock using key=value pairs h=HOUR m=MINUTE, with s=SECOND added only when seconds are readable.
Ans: h=11 m=38
